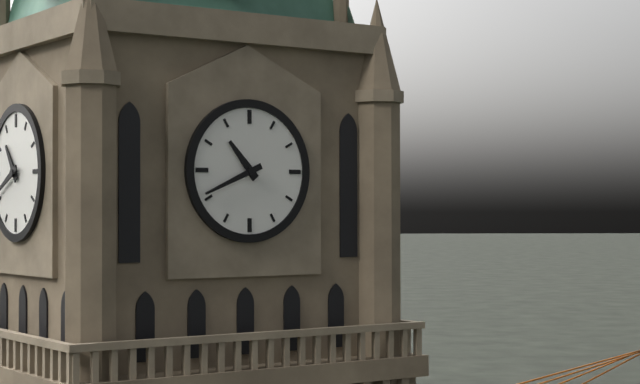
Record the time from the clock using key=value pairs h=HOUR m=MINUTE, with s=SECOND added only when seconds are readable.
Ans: h=10 m=41
